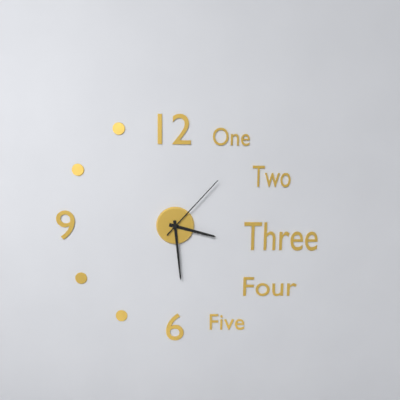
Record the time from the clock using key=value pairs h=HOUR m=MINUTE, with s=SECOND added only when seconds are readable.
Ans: h=3 m=29 s=7
